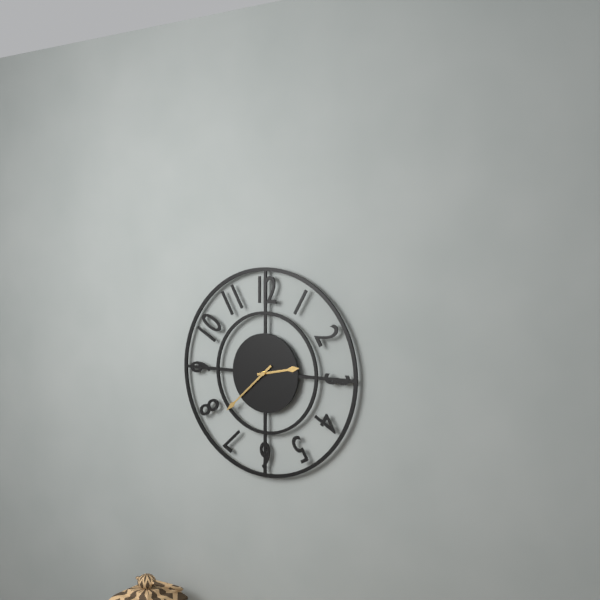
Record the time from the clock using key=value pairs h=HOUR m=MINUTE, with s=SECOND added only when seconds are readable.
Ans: h=2 m=38
